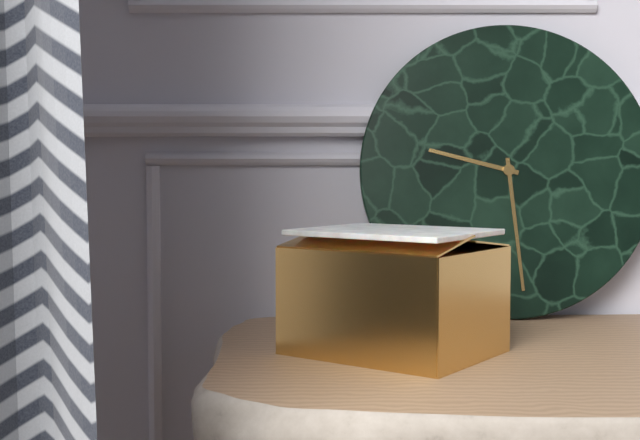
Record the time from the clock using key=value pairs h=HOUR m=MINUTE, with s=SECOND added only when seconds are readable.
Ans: h=9 m=29
